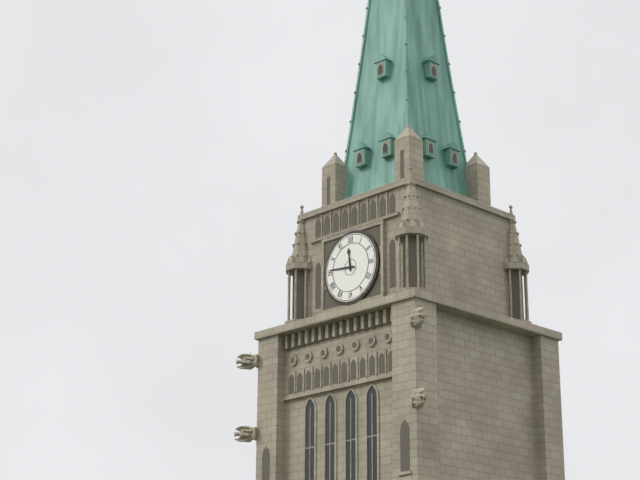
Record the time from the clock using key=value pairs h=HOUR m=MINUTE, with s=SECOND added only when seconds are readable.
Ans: h=11 m=46
